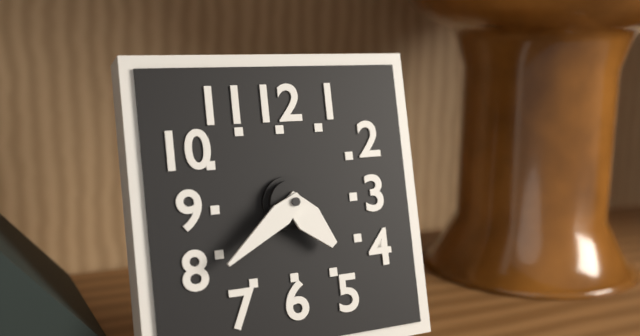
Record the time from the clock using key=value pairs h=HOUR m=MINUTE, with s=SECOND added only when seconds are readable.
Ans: h=4 m=39
